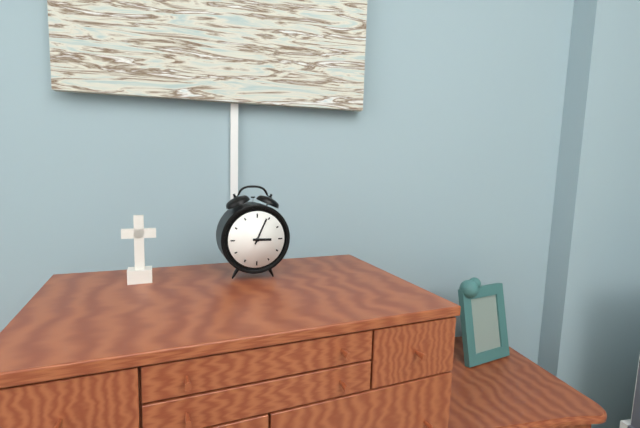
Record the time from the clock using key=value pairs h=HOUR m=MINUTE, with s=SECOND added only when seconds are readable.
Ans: h=3 m=4
